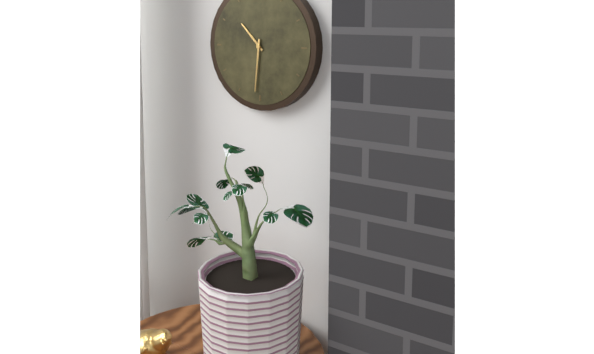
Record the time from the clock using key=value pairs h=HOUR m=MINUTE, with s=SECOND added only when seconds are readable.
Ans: h=10 m=31
